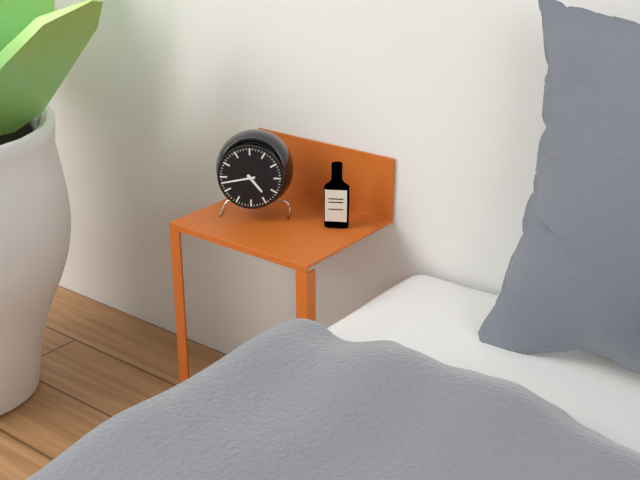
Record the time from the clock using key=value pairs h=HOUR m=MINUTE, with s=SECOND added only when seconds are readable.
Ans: h=4 m=43
